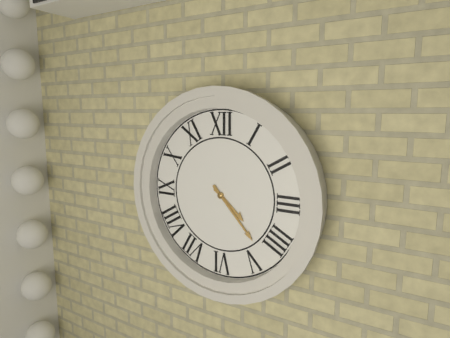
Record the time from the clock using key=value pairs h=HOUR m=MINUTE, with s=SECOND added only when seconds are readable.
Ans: h=4 m=23
